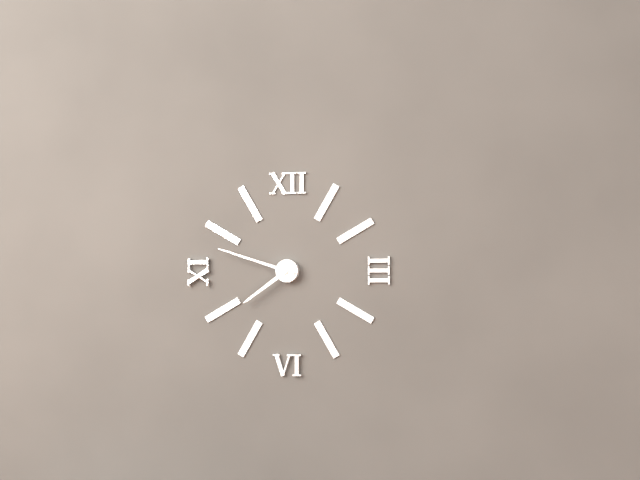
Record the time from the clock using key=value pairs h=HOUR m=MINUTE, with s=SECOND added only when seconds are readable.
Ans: h=7 m=48
